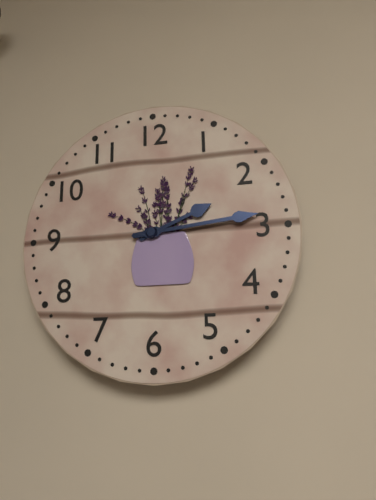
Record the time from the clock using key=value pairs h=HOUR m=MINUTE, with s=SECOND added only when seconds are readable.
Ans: h=2 m=14
